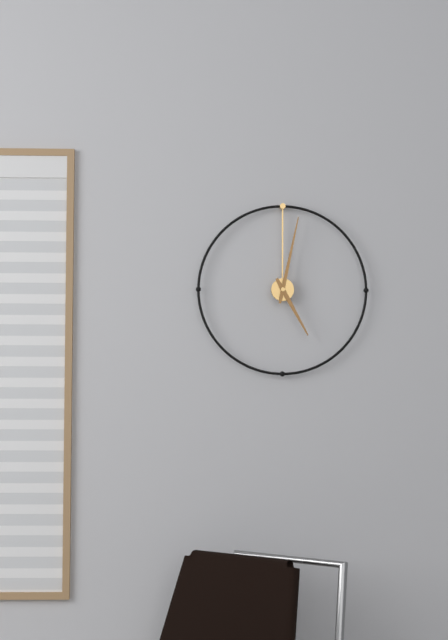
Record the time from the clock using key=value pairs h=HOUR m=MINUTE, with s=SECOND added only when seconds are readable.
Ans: h=5 m=2
